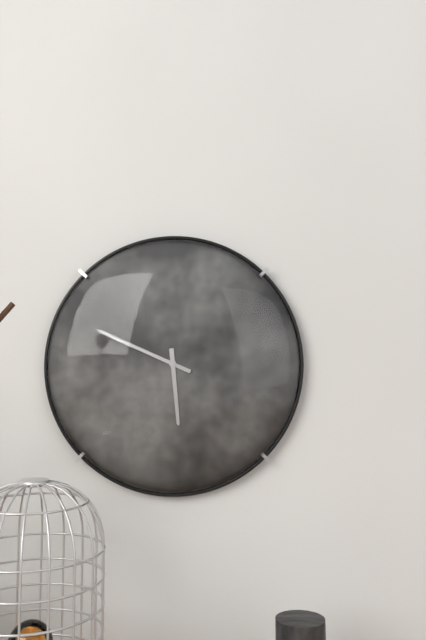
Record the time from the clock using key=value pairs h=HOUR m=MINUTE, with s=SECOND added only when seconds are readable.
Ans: h=5 m=49
